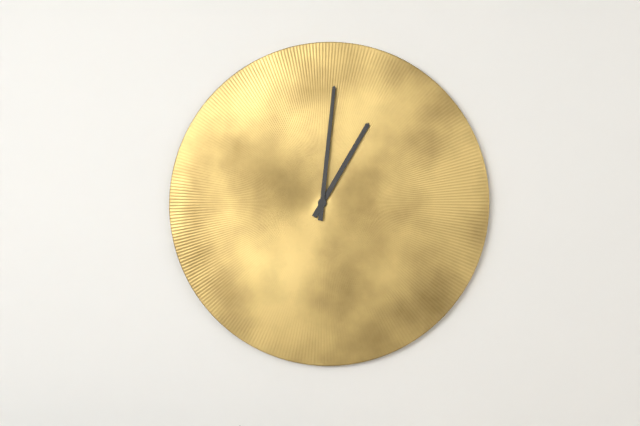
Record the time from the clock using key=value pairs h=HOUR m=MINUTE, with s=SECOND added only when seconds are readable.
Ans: h=1 m=1
